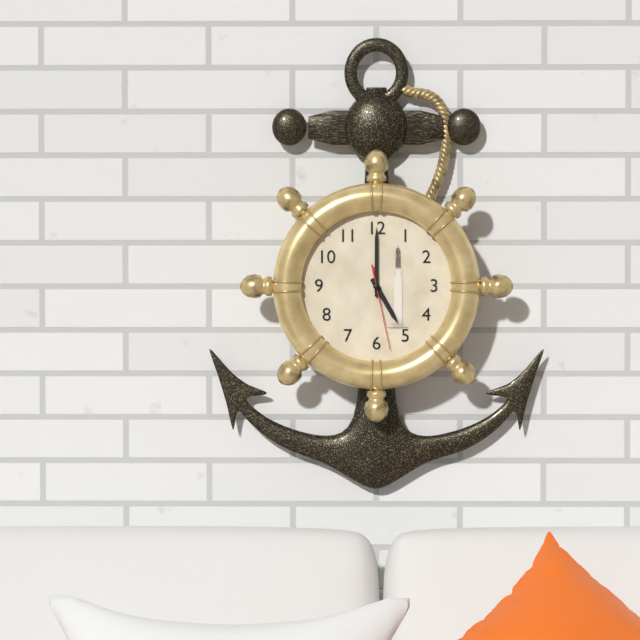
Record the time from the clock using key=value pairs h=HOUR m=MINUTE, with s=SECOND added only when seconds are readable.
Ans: h=5 m=0 s=28
